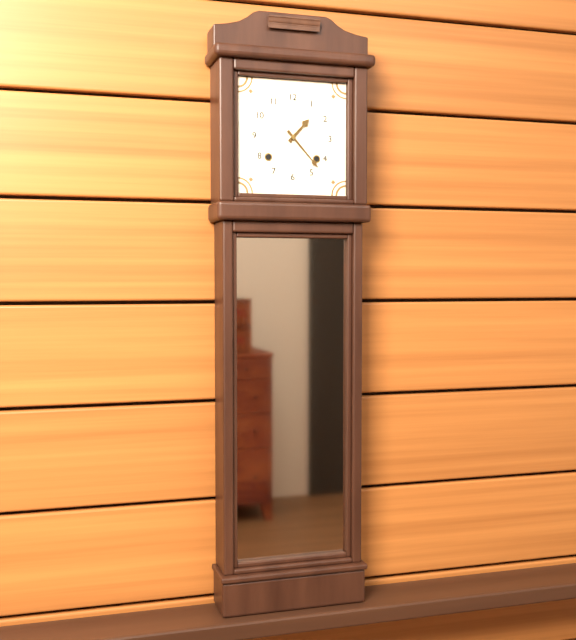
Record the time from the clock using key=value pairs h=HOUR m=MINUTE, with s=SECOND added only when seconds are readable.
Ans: h=1 m=23
